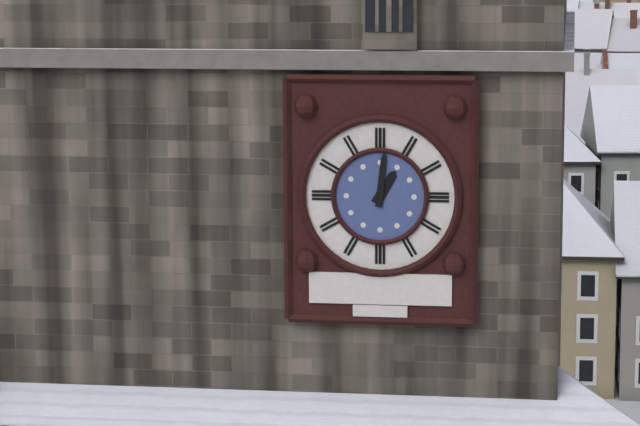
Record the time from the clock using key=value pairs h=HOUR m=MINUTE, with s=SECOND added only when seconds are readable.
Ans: h=1 m=1
